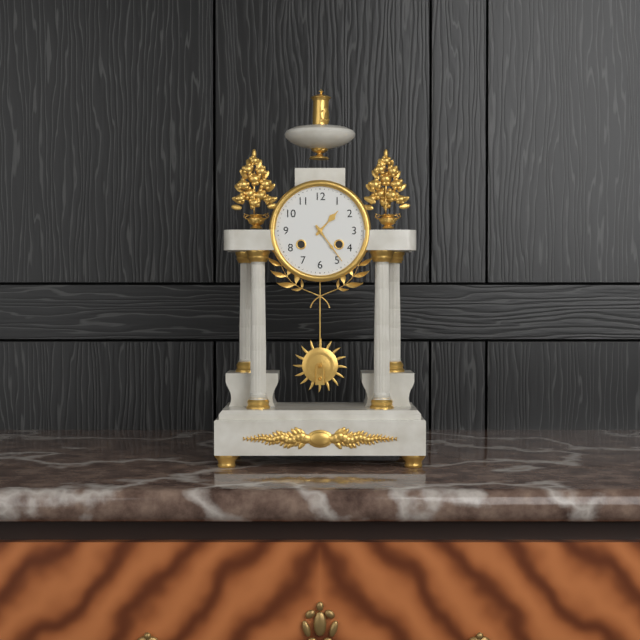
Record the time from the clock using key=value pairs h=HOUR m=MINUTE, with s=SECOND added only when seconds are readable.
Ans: h=1 m=24
